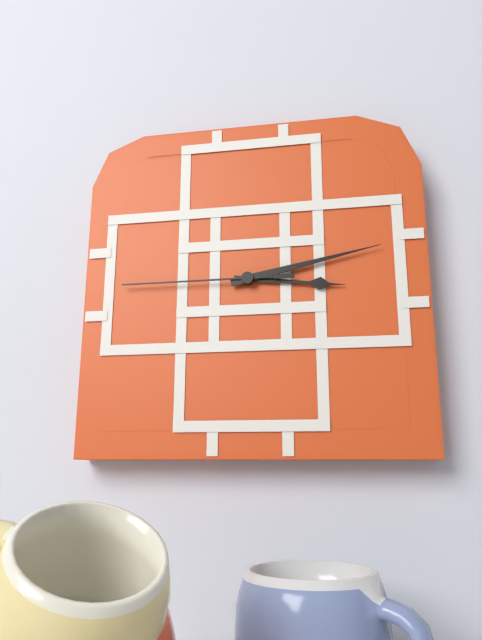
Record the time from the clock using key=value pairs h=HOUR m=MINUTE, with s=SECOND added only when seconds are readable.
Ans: h=3 m=13 s=45
